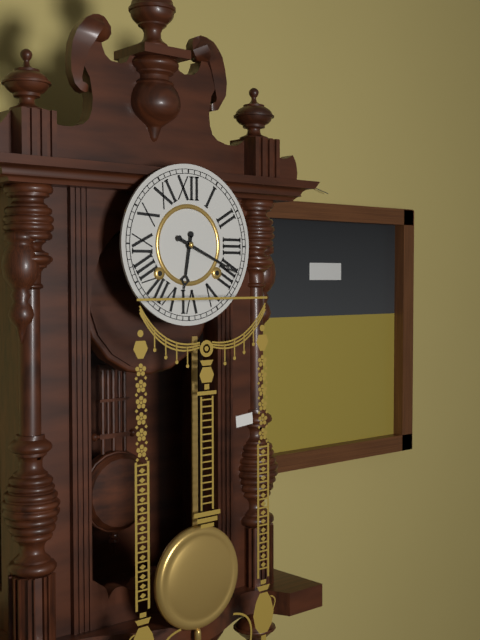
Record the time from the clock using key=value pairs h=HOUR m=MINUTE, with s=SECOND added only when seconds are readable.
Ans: h=6 m=19
